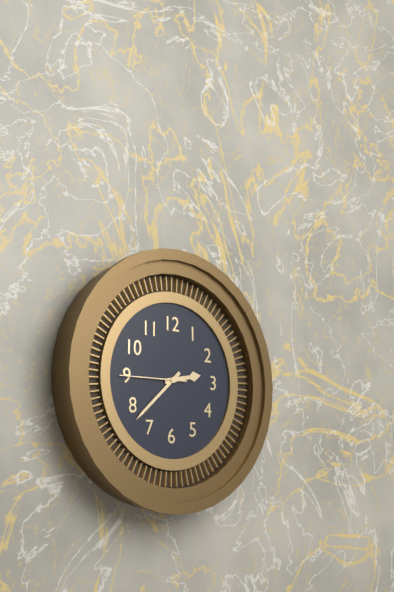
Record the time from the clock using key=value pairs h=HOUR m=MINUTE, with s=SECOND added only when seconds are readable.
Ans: h=2 m=38 s=45
